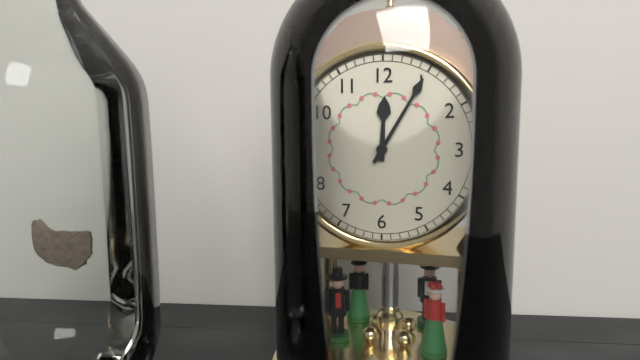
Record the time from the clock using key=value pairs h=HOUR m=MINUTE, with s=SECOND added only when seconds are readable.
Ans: h=12 m=5
